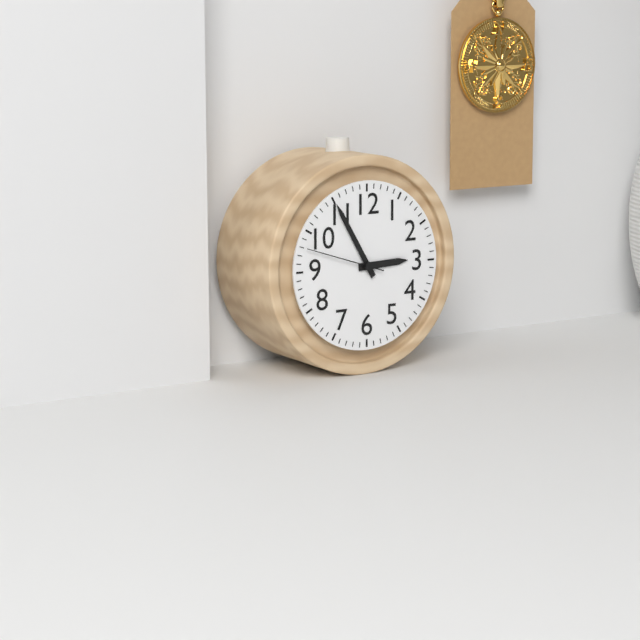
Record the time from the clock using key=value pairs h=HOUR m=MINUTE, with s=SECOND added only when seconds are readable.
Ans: h=2 m=55 s=48
